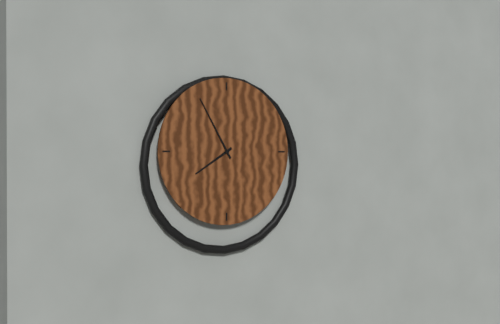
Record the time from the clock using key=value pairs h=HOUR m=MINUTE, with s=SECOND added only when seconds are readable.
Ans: h=7 m=55
